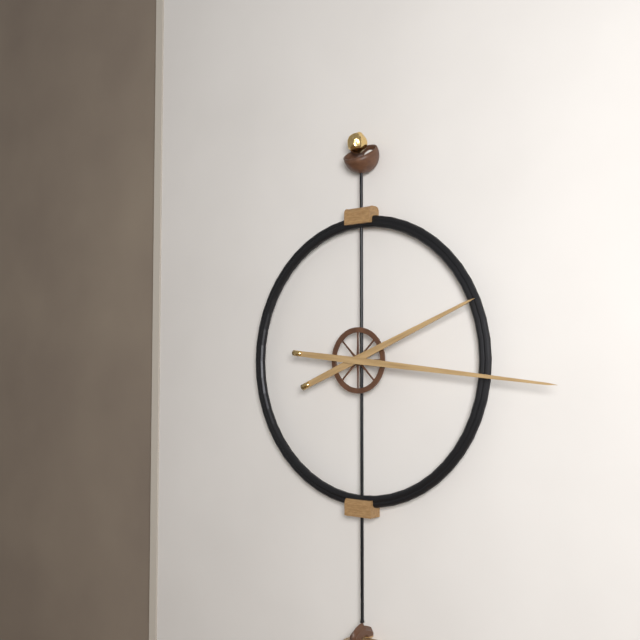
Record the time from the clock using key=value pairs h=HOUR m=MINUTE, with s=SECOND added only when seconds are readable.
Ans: h=2 m=16
